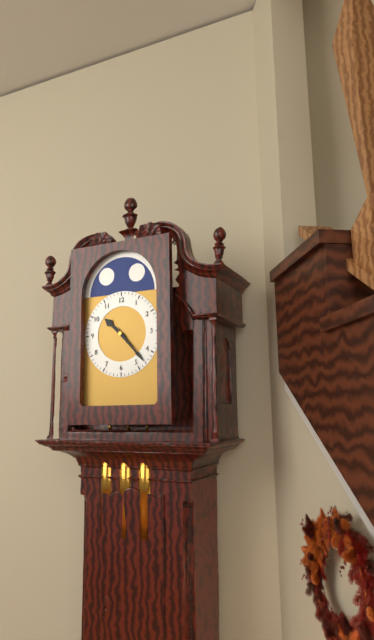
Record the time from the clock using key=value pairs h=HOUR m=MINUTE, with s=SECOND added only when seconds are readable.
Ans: h=10 m=23
